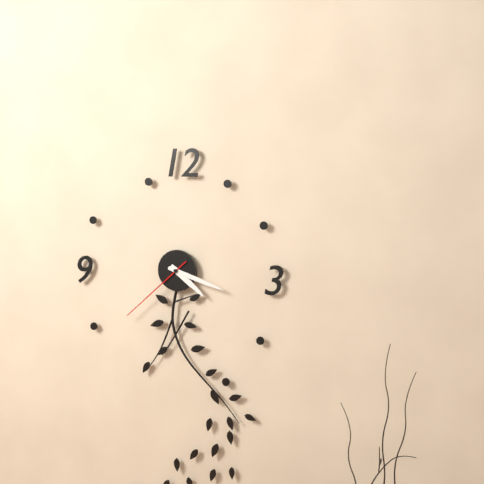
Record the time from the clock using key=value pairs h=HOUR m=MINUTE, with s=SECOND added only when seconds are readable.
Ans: h=4 m=18 s=38
